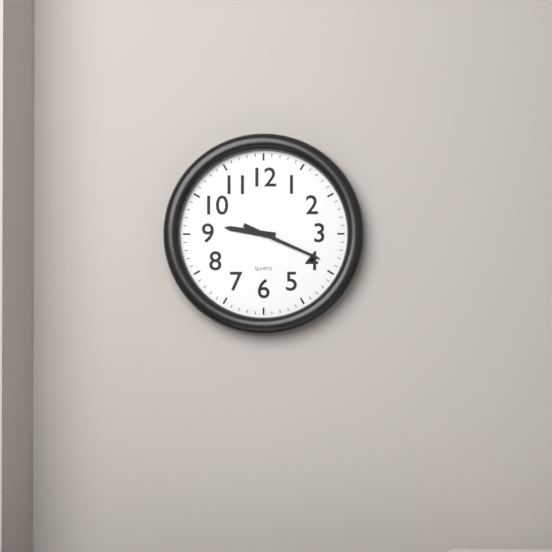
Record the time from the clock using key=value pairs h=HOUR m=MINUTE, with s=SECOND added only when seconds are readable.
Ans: h=9 m=19
